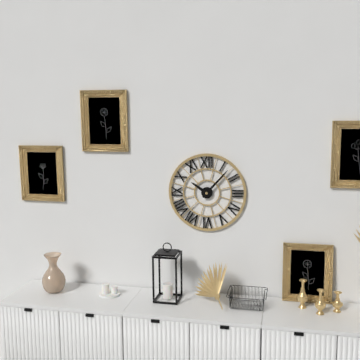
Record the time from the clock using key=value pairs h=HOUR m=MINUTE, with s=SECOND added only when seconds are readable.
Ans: h=10 m=7
